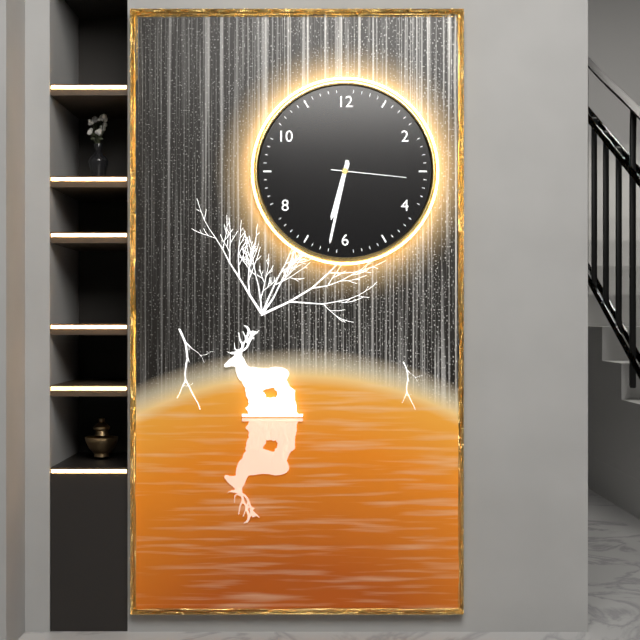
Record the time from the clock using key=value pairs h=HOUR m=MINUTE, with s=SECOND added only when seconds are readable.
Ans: h=6 m=32 s=16
